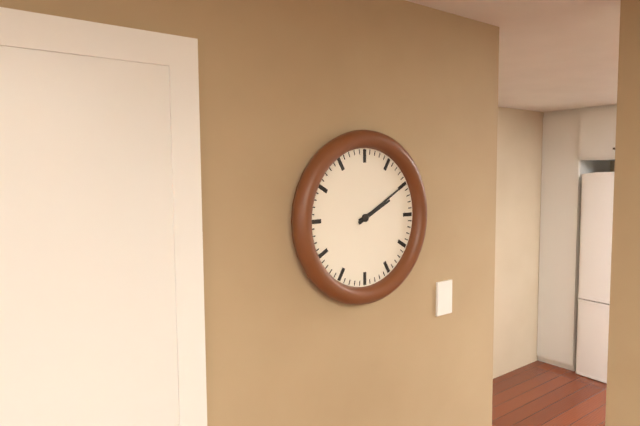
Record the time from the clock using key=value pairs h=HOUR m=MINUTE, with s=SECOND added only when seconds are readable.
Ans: h=2 m=10
